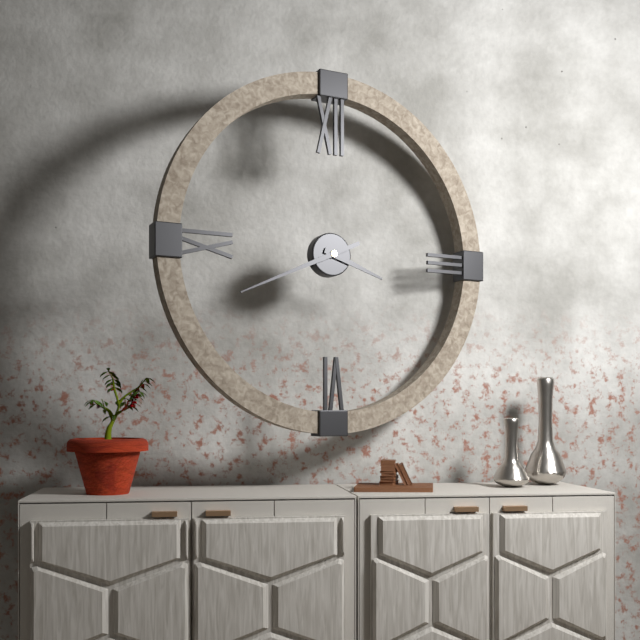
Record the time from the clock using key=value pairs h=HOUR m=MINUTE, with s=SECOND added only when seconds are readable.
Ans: h=3 m=41
